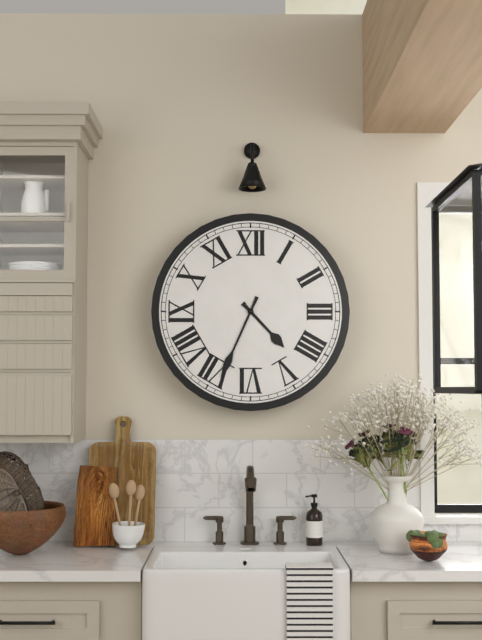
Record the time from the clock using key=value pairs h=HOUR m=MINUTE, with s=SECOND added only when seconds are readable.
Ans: h=4 m=34
